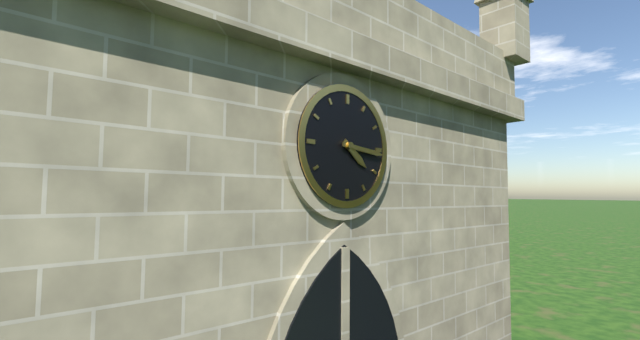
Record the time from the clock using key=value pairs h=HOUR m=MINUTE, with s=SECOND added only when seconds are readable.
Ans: h=4 m=16
